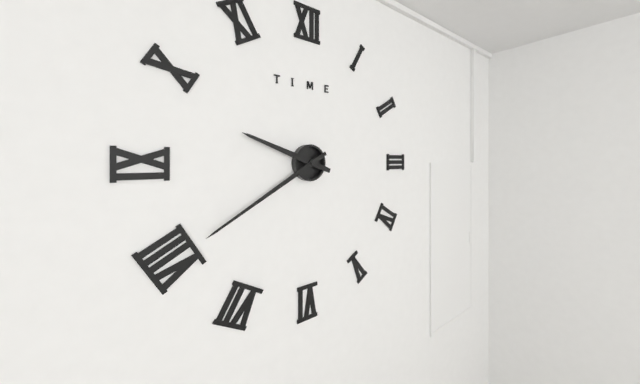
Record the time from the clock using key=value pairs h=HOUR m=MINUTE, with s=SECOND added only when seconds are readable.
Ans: h=9 m=40
